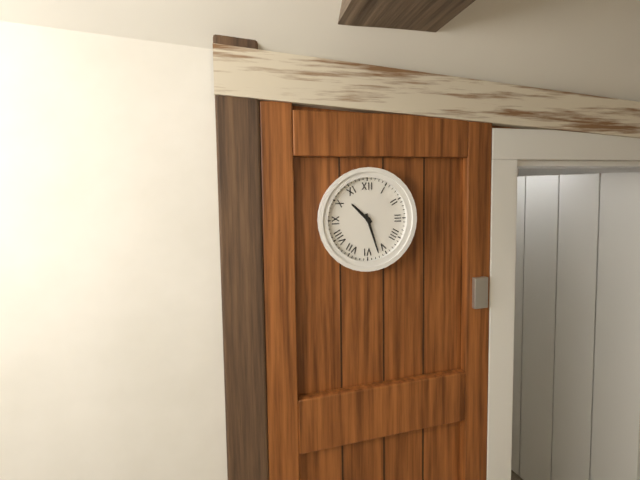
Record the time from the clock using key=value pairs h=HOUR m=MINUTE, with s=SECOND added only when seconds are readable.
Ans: h=10 m=27
